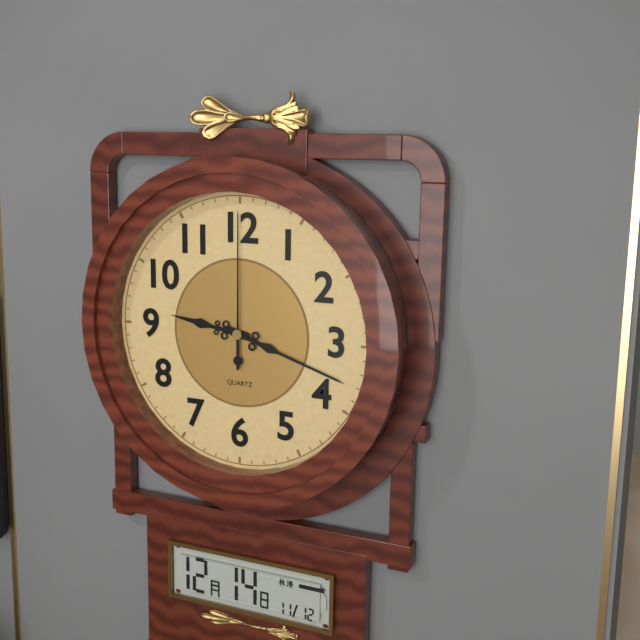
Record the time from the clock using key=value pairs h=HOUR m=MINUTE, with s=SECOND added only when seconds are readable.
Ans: h=9 m=18 s=0
